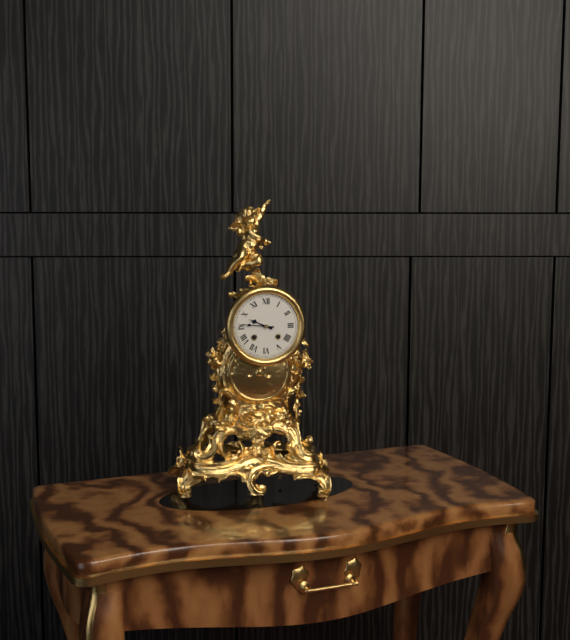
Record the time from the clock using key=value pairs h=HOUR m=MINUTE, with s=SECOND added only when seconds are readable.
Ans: h=9 m=46
